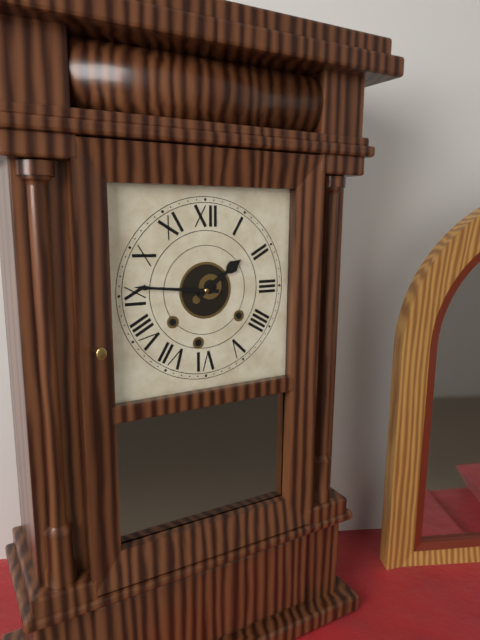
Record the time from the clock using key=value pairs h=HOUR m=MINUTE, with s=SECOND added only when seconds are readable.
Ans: h=1 m=46
